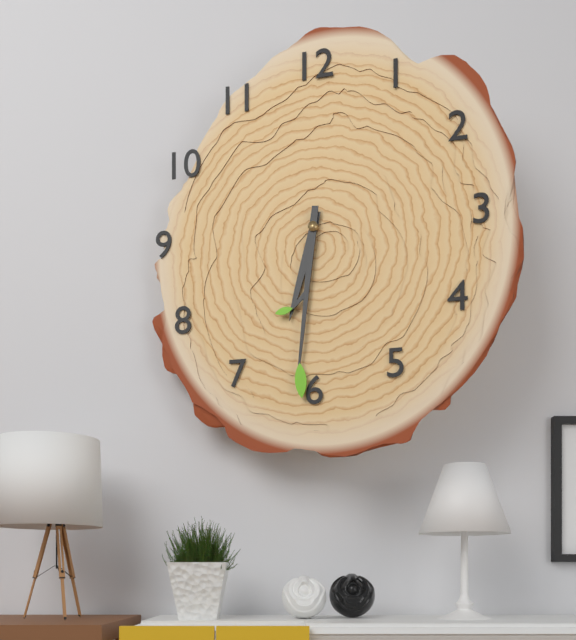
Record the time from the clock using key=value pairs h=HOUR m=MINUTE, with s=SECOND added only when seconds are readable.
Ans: h=6 m=31
